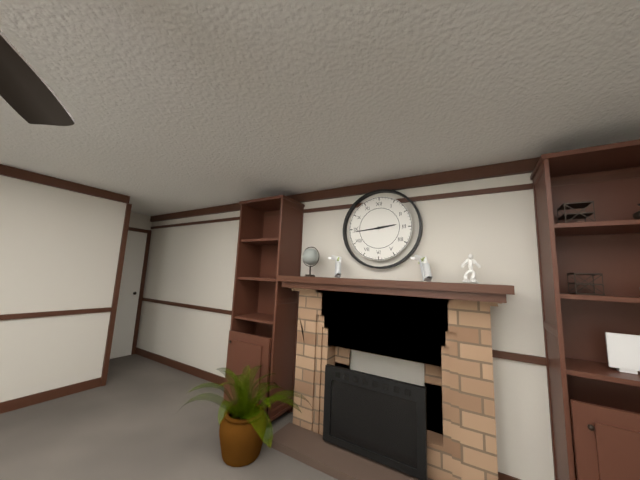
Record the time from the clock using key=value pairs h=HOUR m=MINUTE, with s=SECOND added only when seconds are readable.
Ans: h=2 m=44
